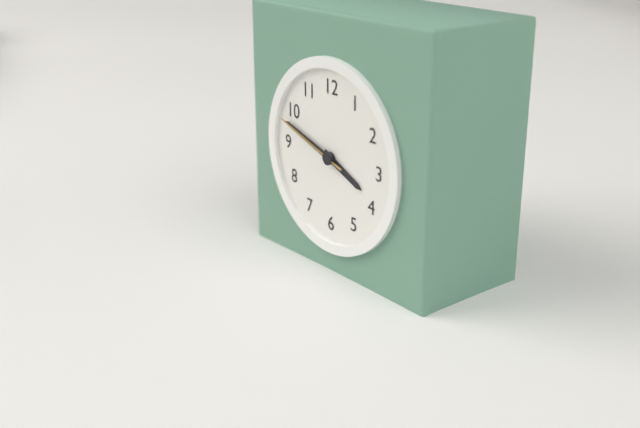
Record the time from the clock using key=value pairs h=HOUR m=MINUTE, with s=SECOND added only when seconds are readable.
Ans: h=3 m=48 s=48
